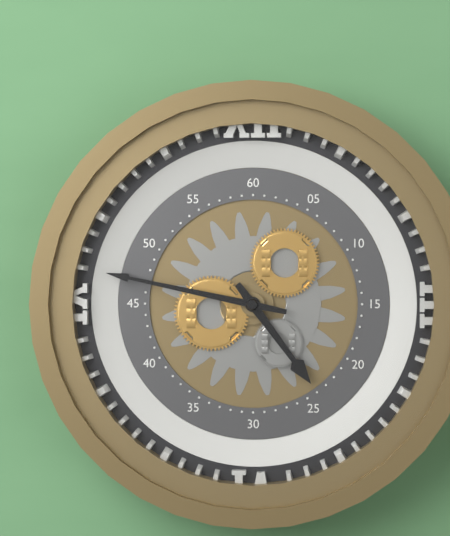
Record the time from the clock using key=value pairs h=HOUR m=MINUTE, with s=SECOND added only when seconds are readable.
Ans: h=4 m=47
